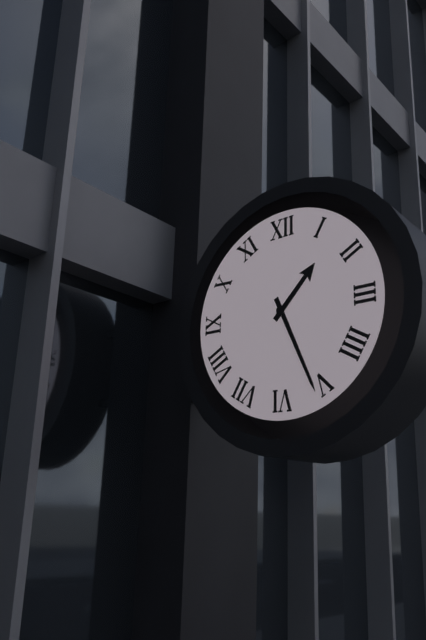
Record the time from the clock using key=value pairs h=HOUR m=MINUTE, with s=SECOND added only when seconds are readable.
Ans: h=1 m=26
